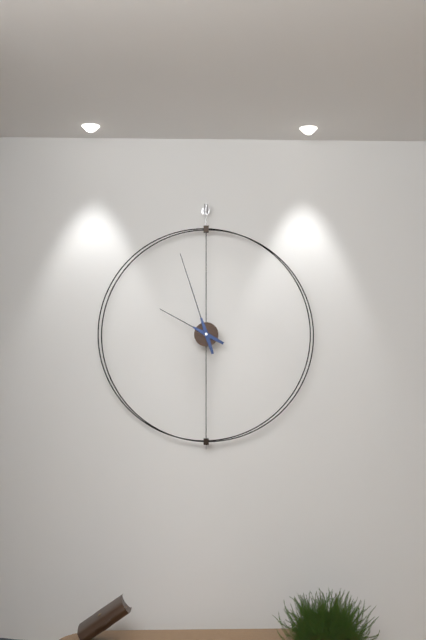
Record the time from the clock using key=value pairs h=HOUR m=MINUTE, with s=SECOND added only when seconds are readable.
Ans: h=9 m=57
